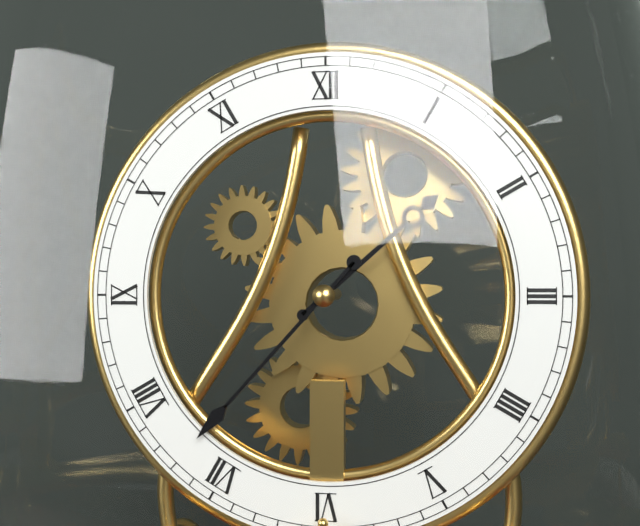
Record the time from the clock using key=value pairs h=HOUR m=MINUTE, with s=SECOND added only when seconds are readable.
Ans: h=1 m=37
